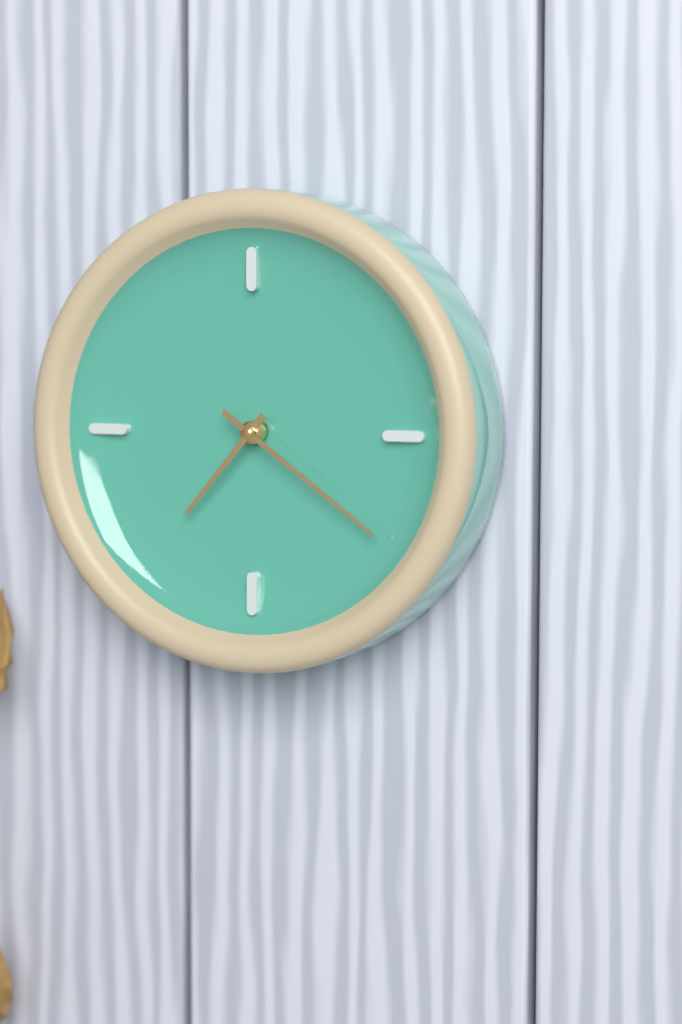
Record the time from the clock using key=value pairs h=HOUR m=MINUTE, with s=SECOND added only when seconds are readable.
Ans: h=7 m=21
